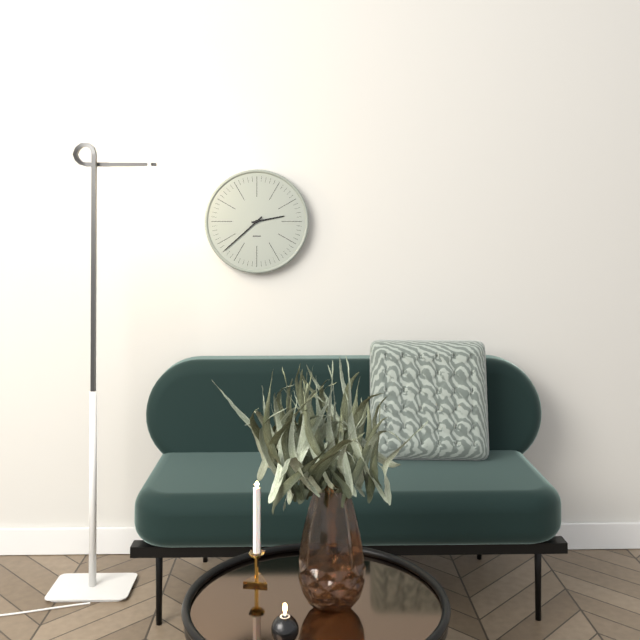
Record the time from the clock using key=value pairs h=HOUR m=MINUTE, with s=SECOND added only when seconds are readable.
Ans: h=2 m=38
